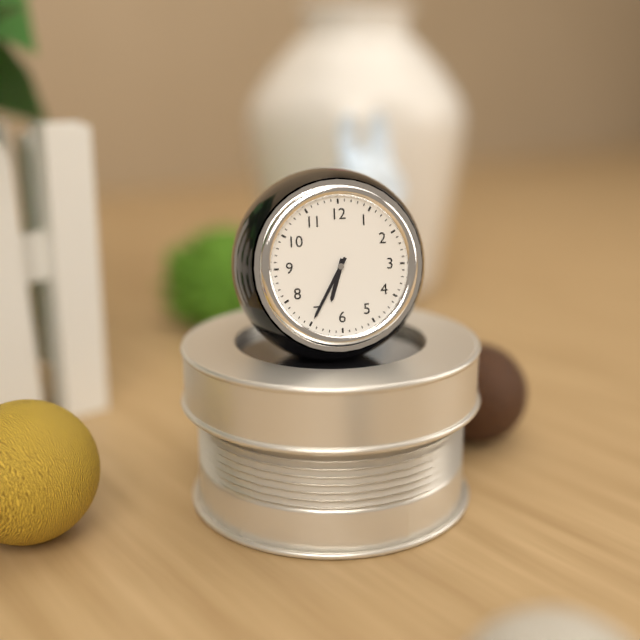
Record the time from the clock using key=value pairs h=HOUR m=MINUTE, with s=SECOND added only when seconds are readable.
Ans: h=6 m=35
